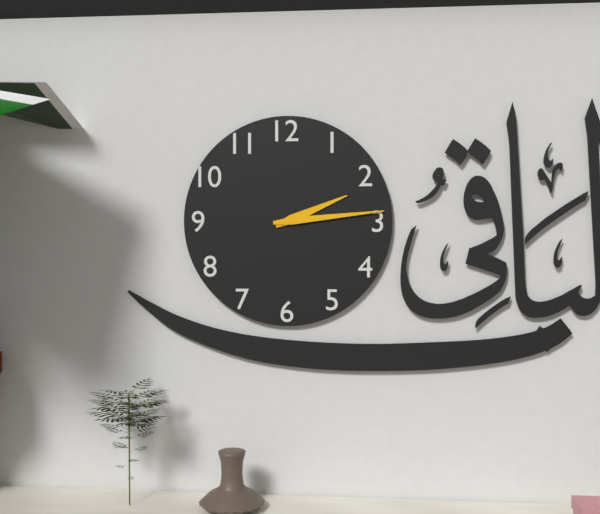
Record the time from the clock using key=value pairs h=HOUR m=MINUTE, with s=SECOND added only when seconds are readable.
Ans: h=2 m=14
